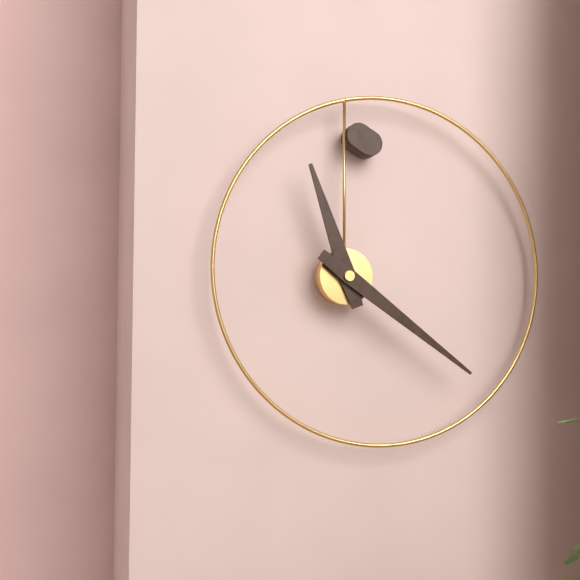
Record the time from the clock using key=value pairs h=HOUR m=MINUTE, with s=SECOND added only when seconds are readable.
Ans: h=11 m=21
